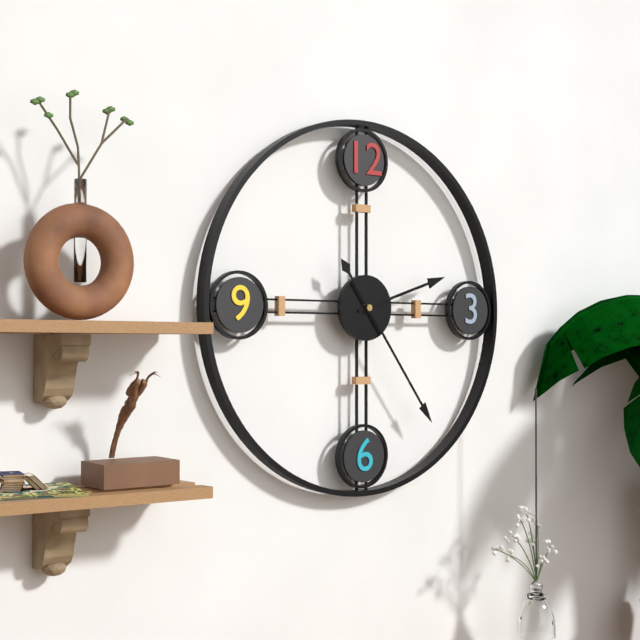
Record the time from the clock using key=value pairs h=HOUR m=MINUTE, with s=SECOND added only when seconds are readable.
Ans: h=2 m=24
